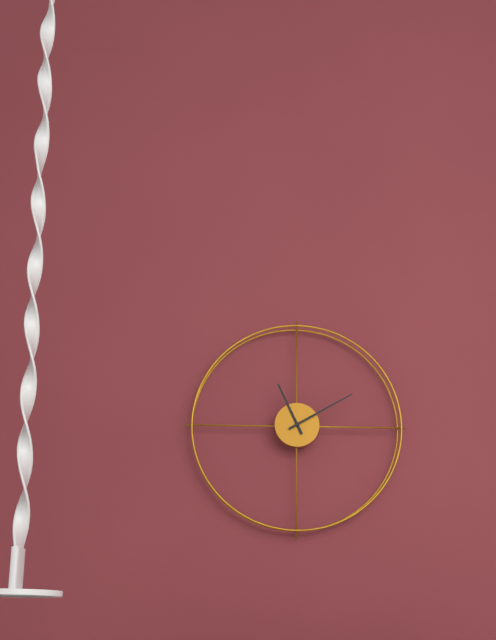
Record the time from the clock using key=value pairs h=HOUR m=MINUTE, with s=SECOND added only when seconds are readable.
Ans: h=11 m=10
